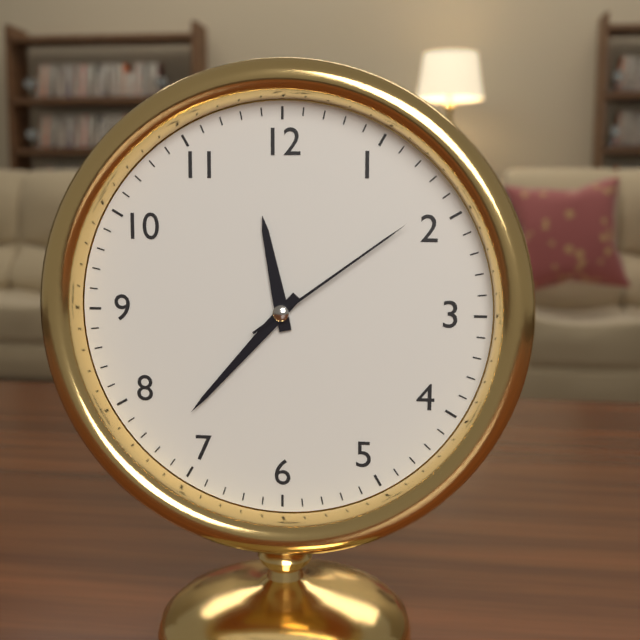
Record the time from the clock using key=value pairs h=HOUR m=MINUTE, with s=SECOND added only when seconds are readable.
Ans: h=11 m=37 s=9
